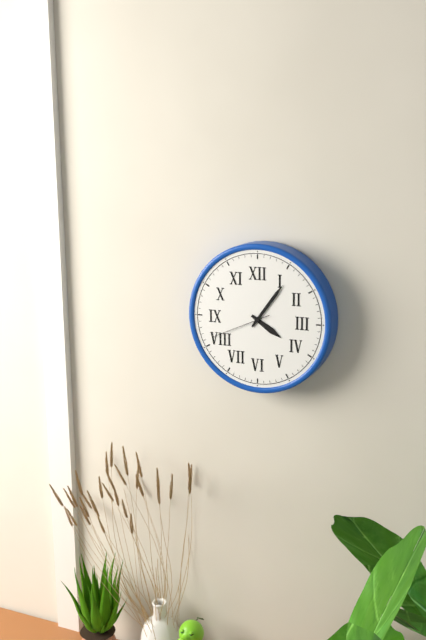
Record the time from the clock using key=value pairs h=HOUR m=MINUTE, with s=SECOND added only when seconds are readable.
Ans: h=4 m=6 s=41
